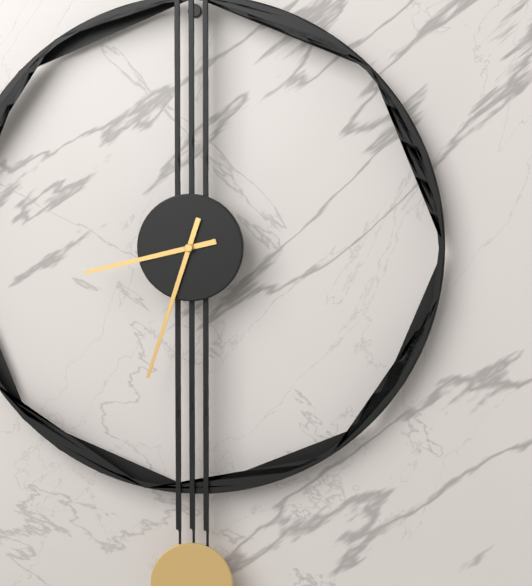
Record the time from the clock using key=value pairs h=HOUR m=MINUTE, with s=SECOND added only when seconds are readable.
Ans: h=8 m=33
